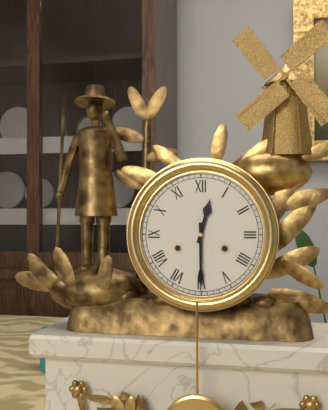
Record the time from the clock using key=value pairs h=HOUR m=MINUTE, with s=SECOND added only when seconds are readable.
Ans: h=12 m=30
